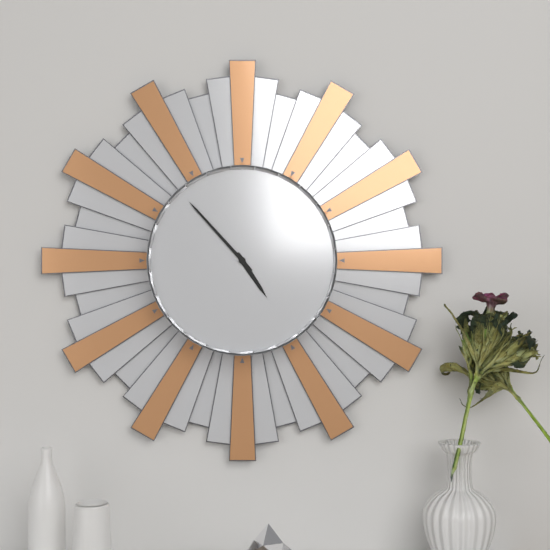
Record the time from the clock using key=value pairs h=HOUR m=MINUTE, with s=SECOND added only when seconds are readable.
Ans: h=4 m=53
